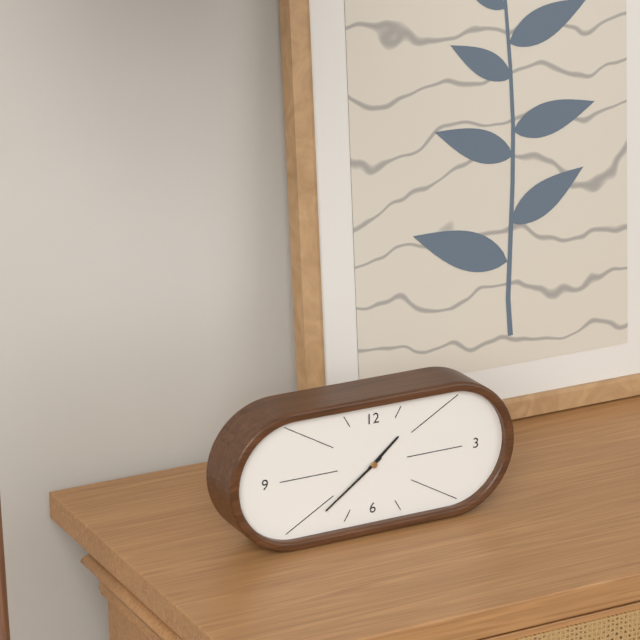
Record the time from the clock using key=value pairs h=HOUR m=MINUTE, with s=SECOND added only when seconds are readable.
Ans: h=1 m=39
